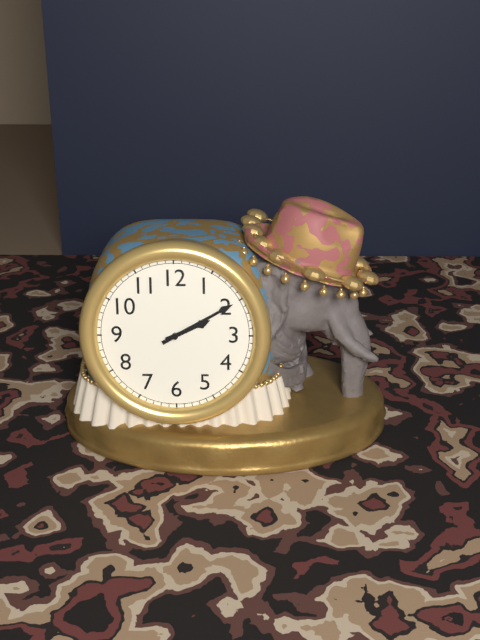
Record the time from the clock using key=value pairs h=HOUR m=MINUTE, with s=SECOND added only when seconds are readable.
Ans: h=2 m=10
